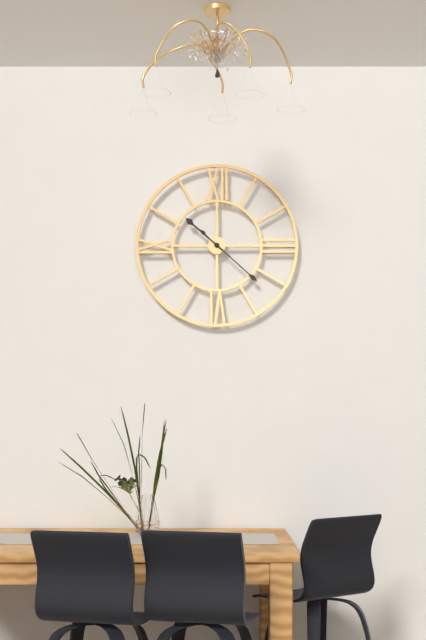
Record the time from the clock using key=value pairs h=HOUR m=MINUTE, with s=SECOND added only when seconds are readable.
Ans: h=10 m=22
